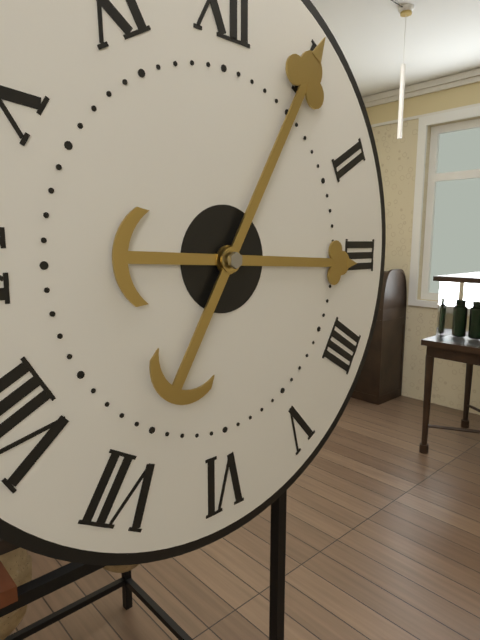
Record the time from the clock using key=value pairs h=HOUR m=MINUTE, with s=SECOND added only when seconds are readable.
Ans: h=3 m=5
